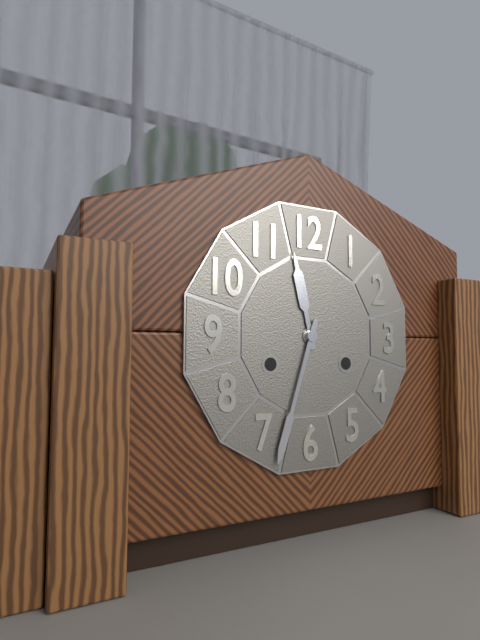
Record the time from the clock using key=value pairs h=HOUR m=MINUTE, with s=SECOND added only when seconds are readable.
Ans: h=11 m=33
